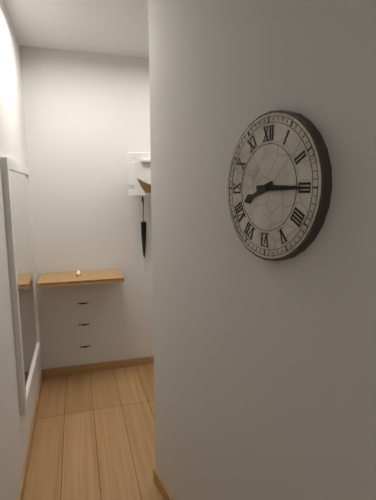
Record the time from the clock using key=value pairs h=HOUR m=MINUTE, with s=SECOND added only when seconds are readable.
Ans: h=8 m=15
